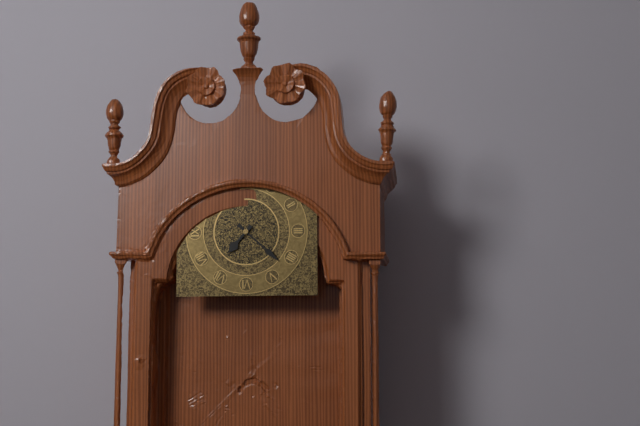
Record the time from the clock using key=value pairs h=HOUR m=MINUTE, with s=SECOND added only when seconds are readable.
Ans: h=7 m=22
